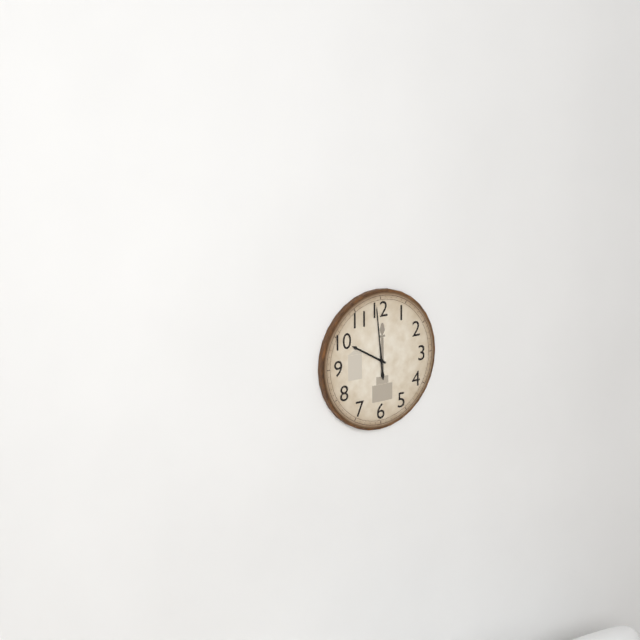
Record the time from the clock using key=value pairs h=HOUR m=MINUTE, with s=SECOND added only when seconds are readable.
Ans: h=9 m=59
